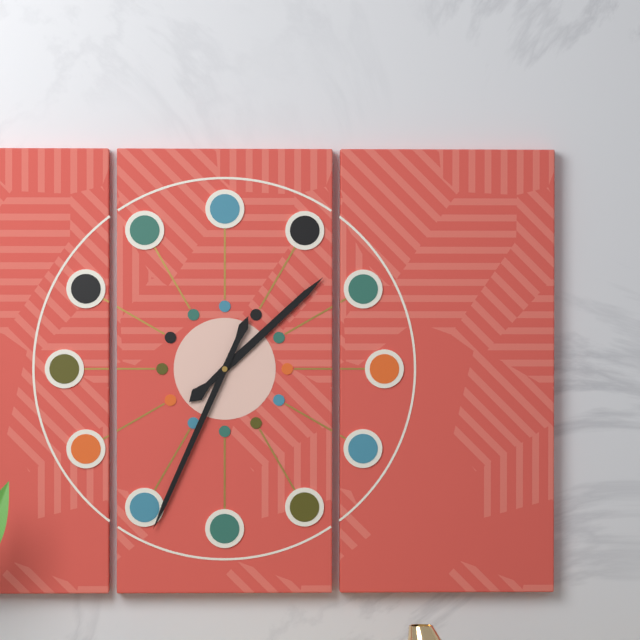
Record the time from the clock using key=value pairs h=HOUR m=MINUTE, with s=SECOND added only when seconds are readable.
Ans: h=1 m=34
